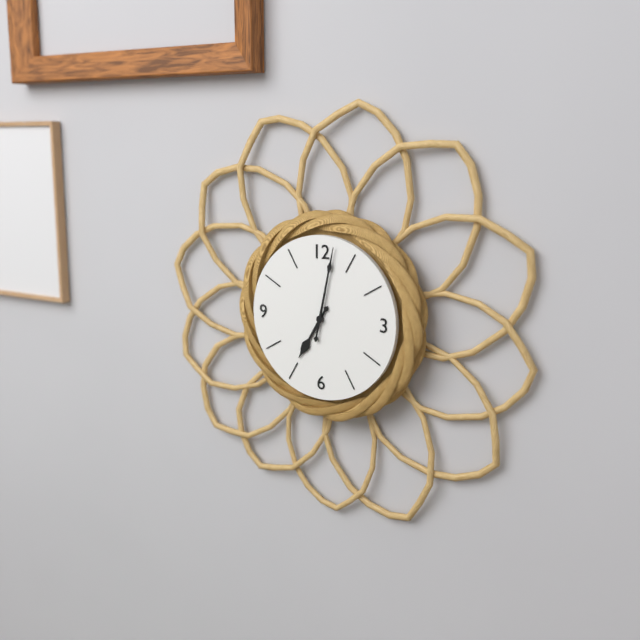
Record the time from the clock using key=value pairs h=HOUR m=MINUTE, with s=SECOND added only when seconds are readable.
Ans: h=7 m=2
